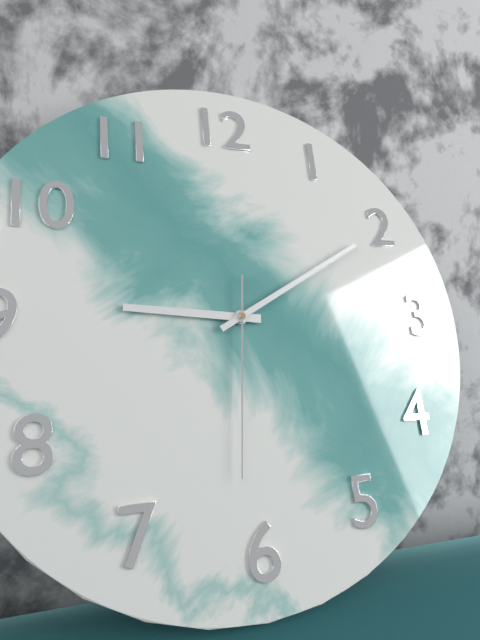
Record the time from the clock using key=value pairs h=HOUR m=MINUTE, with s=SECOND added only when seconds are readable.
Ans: h=9 m=10 s=31
